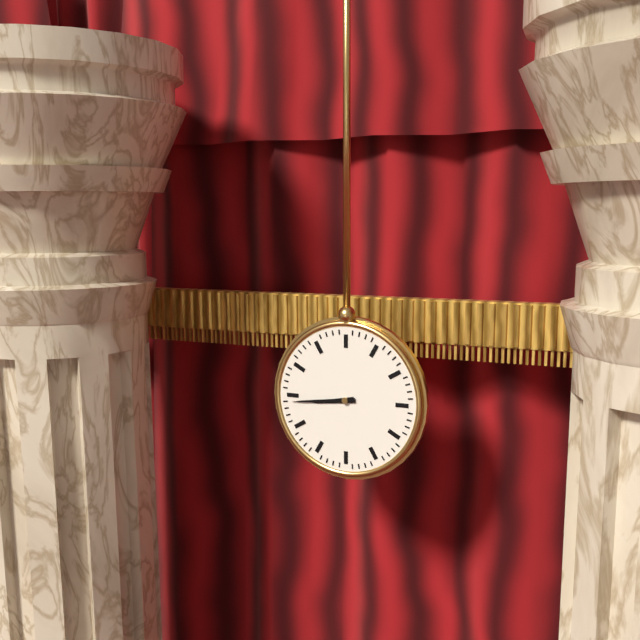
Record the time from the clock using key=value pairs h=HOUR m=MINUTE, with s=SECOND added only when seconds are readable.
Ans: h=8 m=44
